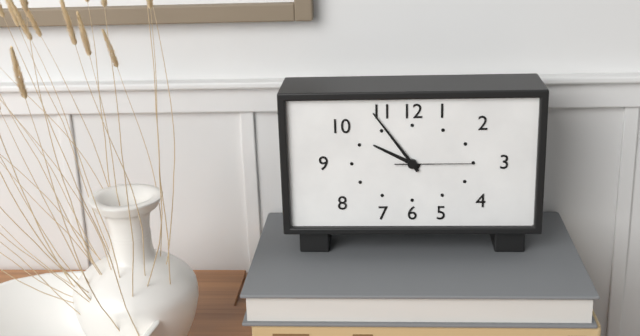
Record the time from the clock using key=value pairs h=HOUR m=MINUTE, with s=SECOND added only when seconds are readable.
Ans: h=9 m=54 s=15
